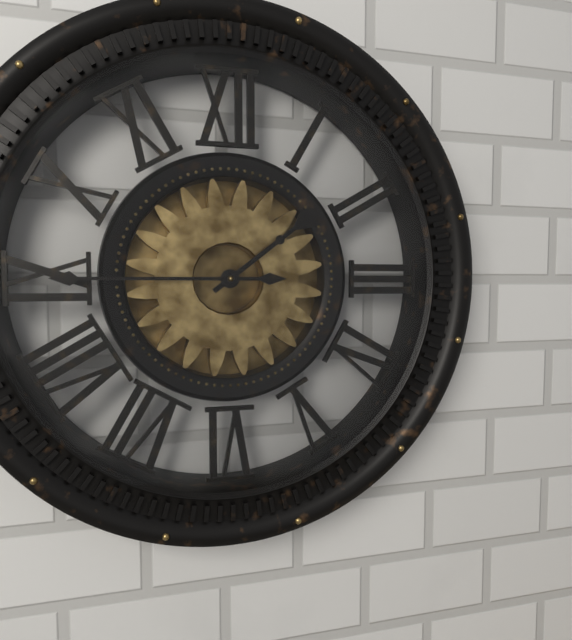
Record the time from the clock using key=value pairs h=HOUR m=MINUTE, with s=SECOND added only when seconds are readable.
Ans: h=1 m=45
